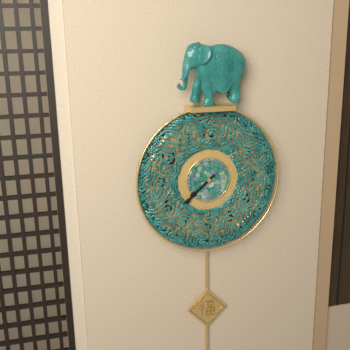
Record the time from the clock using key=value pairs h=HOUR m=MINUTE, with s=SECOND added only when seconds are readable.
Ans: h=7 m=38
